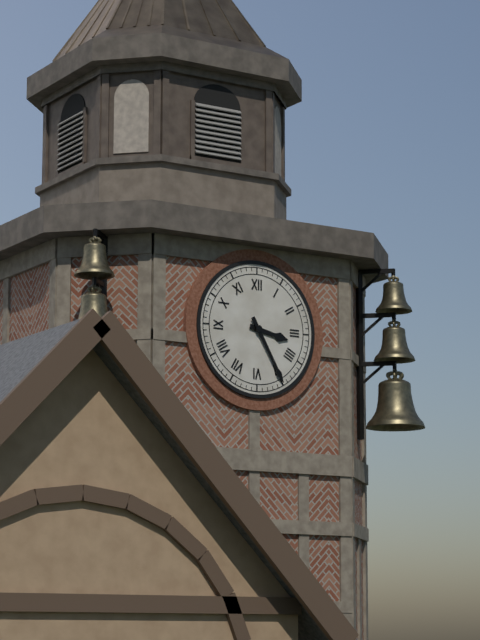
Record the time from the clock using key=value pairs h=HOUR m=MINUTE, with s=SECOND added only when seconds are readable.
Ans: h=3 m=25
